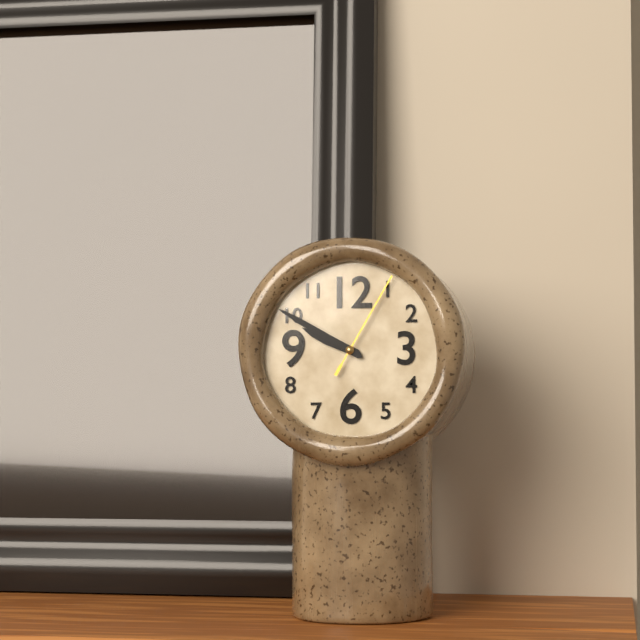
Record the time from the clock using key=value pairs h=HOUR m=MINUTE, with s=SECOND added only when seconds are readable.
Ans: h=9 m=50 s=5
